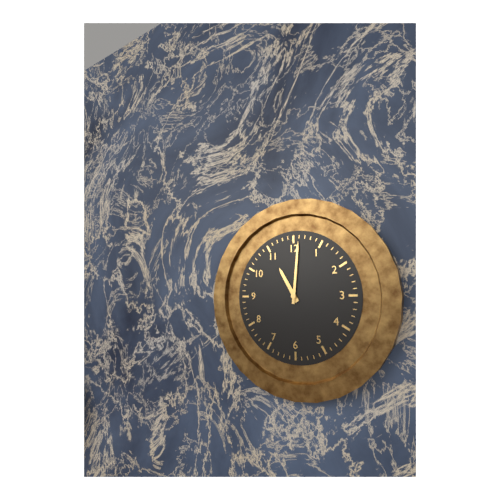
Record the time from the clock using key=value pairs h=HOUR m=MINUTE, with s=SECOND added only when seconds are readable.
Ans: h=11 m=1
